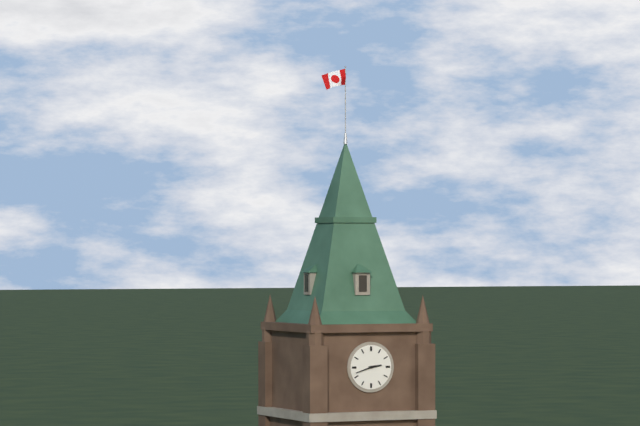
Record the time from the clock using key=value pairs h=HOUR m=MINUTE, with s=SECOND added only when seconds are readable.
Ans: h=2 m=42
